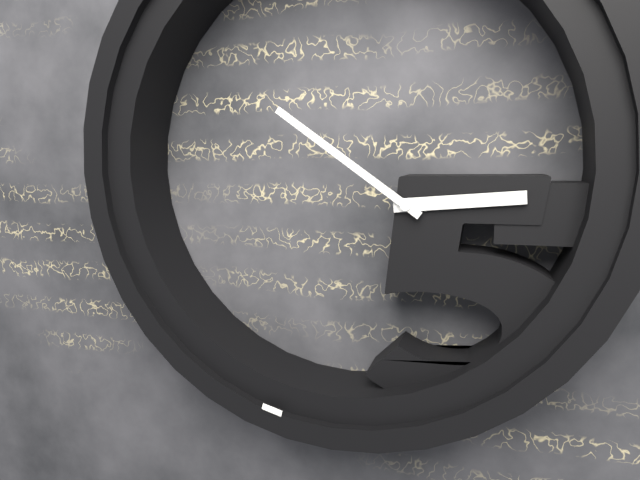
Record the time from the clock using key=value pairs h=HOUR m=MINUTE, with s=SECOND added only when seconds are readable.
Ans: h=2 m=51
